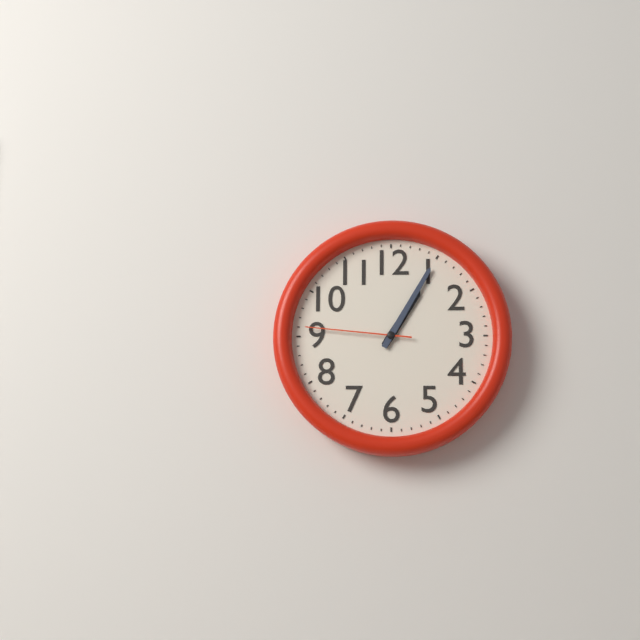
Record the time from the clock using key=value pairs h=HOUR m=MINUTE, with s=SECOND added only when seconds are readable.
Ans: h=1 m=5 s=46
